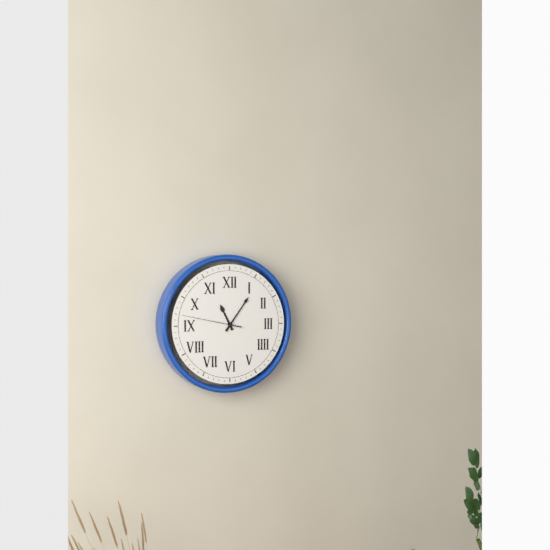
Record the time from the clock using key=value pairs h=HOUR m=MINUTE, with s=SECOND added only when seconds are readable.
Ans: h=11 m=6 s=47
